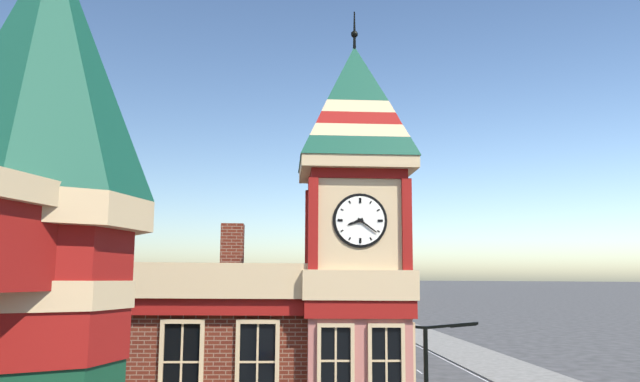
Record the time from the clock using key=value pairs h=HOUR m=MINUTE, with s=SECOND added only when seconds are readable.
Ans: h=8 m=21
